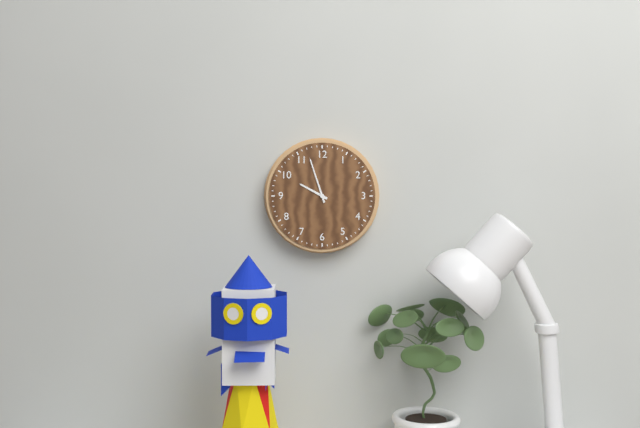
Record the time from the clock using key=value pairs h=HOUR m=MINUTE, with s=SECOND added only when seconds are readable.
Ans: h=9 m=57
